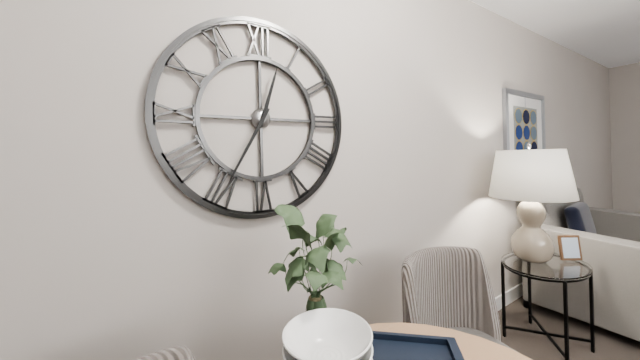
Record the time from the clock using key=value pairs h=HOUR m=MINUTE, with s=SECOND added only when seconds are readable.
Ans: h=12 m=35
